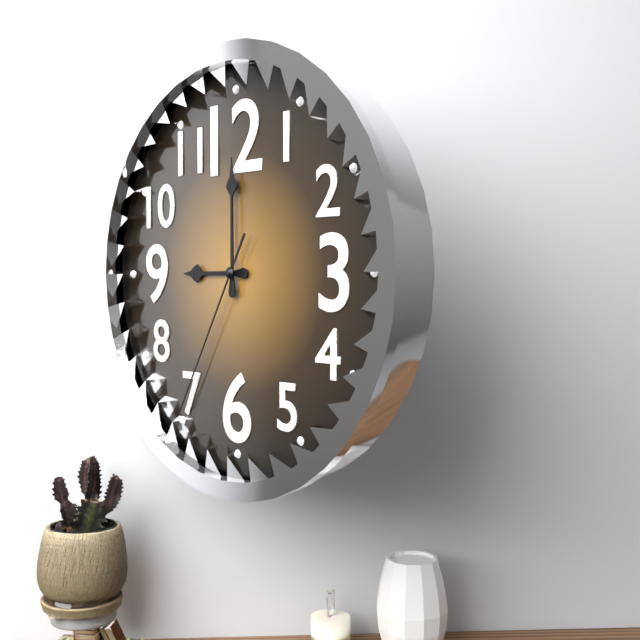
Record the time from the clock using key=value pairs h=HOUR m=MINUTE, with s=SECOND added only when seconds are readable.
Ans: h=9 m=0 s=35
